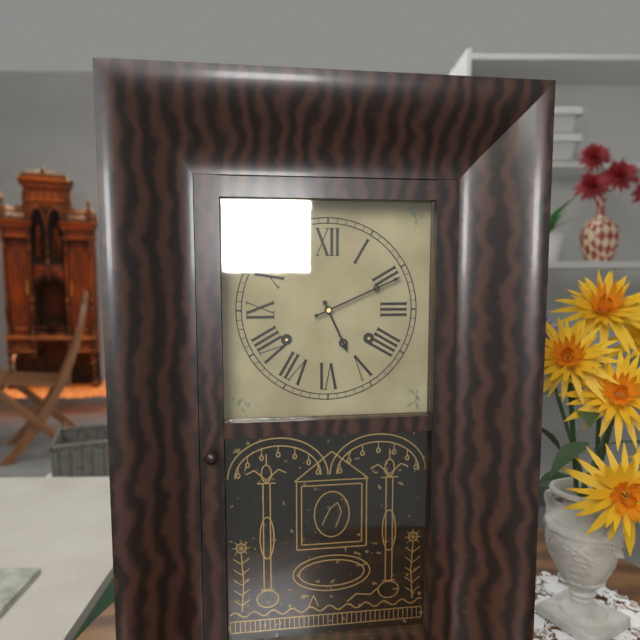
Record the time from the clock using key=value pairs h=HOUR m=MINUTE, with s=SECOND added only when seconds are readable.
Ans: h=5 m=11
